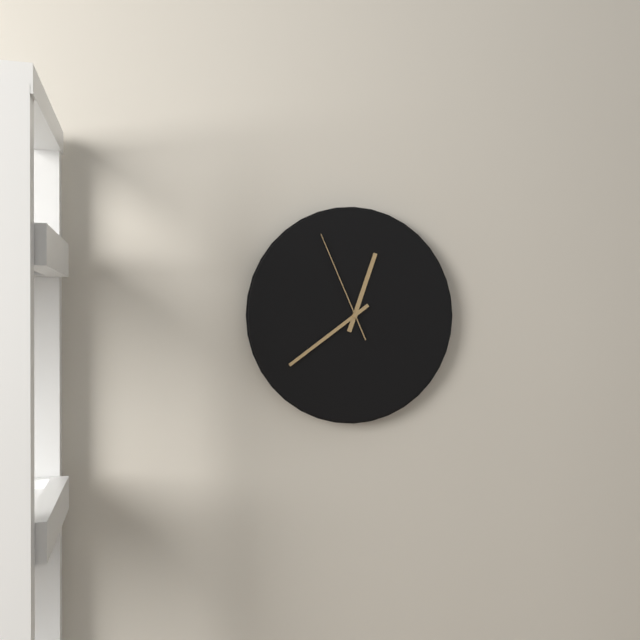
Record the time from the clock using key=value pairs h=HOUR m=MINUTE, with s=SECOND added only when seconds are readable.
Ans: h=12 m=39 s=56
